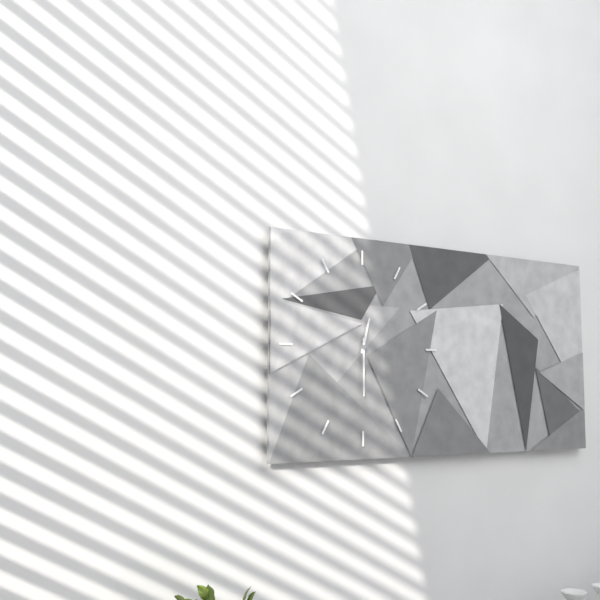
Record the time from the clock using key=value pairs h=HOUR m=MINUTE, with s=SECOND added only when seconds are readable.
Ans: h=12 m=30
